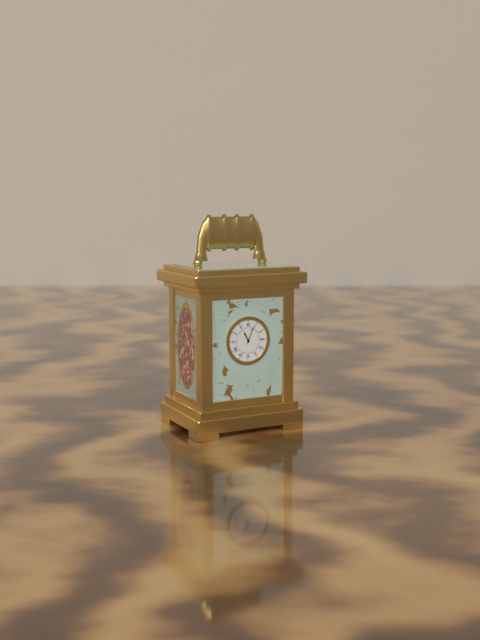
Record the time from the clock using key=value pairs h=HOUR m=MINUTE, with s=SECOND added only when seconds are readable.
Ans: h=11 m=4
